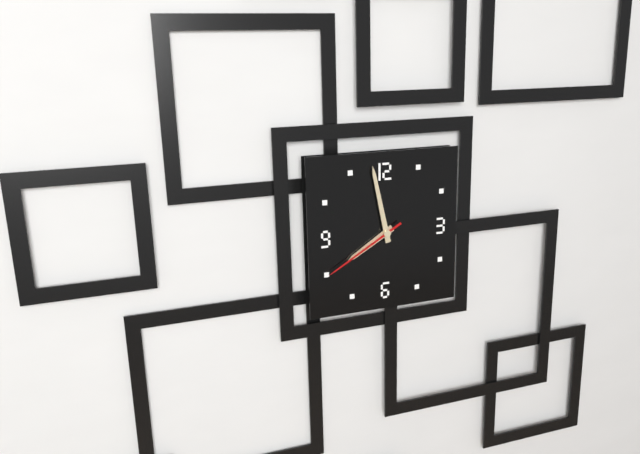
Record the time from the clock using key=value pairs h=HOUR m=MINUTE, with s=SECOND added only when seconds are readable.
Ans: h=7 m=58 s=40
